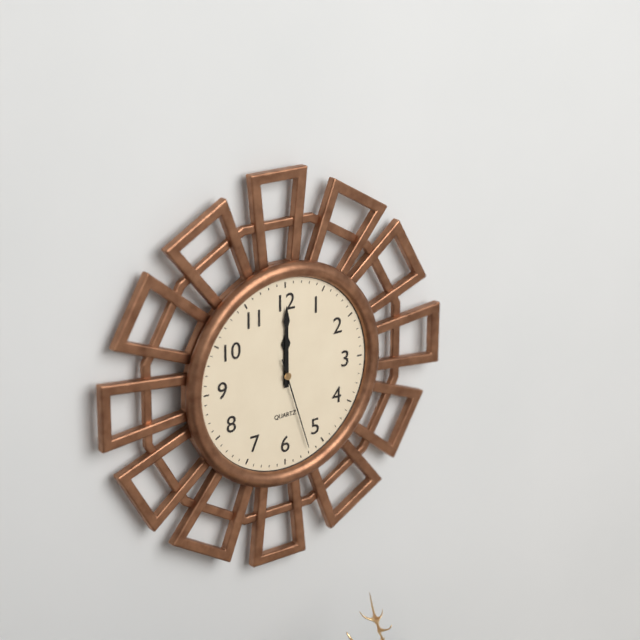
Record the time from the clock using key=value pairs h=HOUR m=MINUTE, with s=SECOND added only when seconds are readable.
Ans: h=12 m=0 s=27
